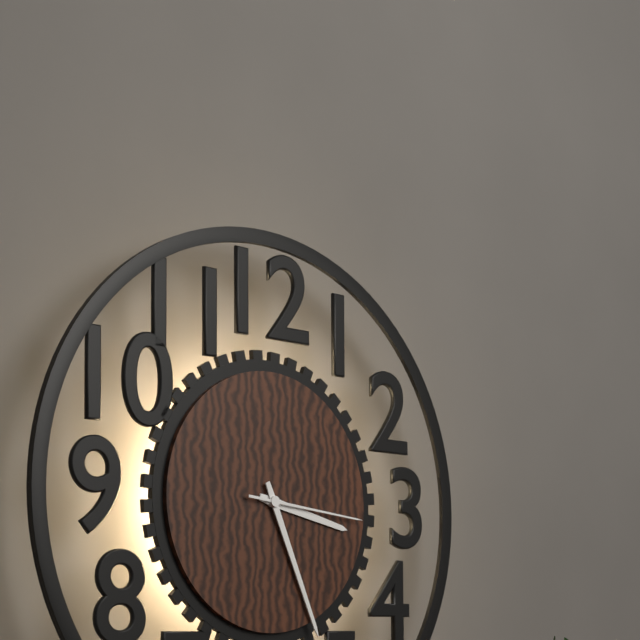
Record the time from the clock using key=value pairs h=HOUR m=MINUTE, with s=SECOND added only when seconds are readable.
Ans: h=3 m=26 s=16
